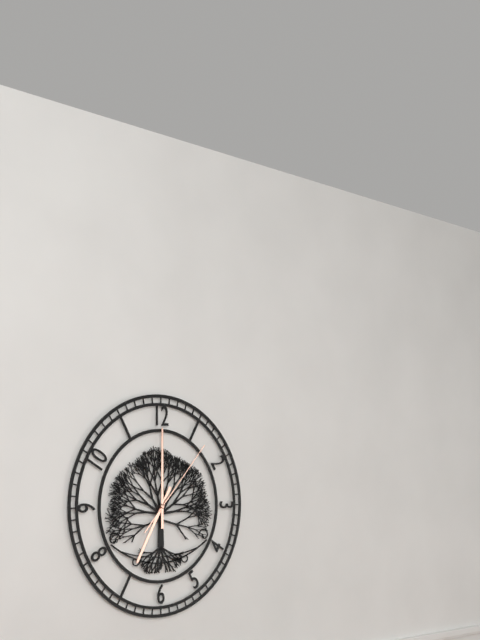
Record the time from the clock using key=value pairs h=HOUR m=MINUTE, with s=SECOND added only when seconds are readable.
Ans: h=7 m=0 s=7
